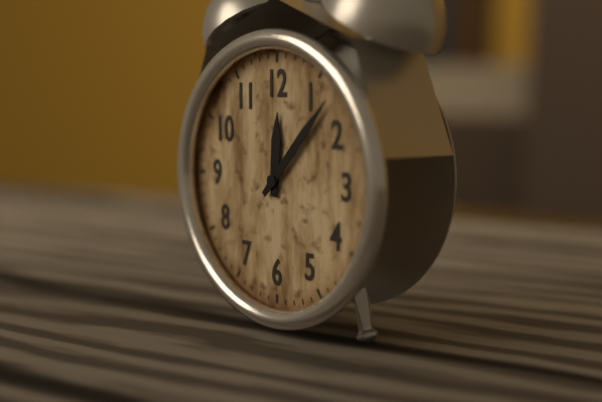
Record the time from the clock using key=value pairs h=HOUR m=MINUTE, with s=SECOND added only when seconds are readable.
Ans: h=12 m=7
